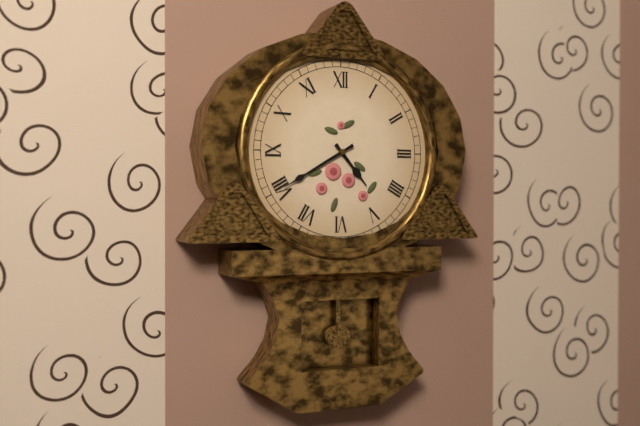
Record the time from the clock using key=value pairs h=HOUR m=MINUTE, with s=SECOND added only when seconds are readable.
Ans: h=4 m=40
